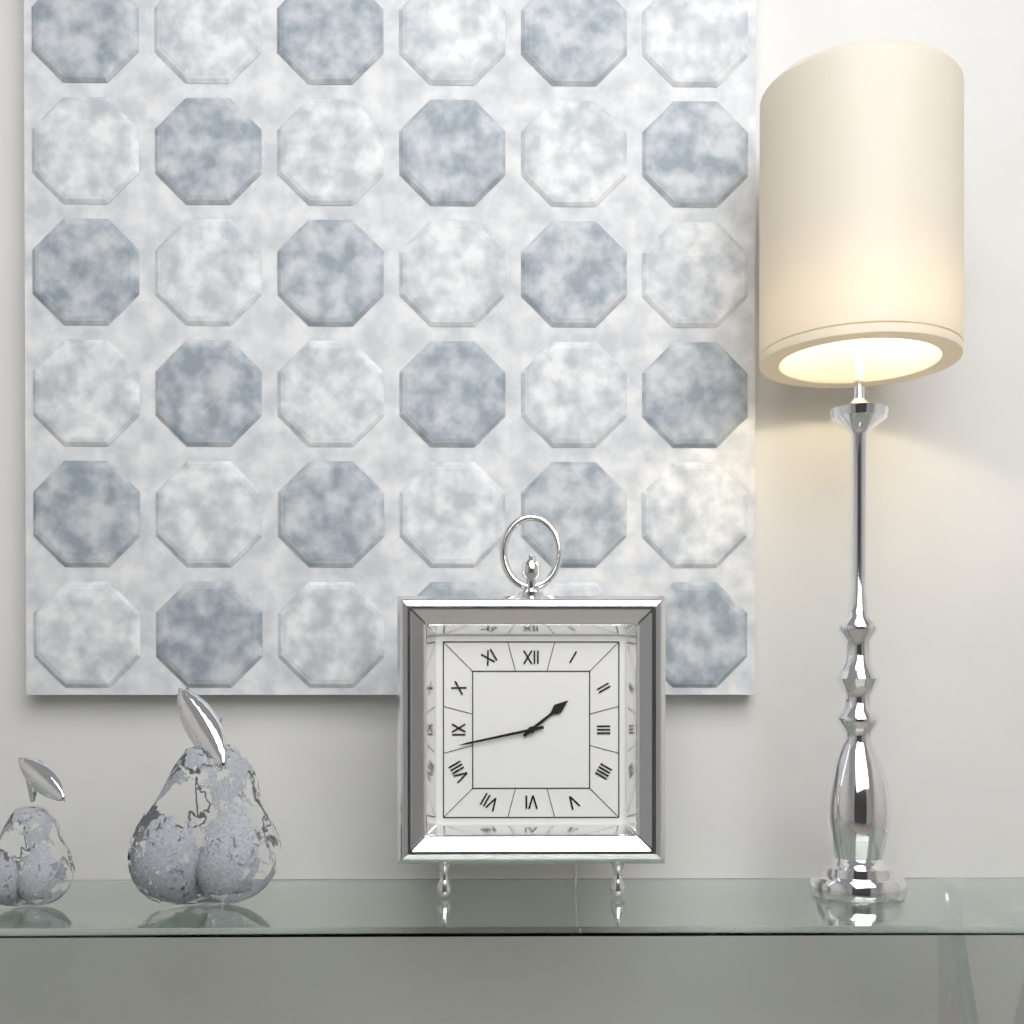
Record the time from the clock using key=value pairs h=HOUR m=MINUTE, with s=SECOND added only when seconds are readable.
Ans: h=1 m=43
